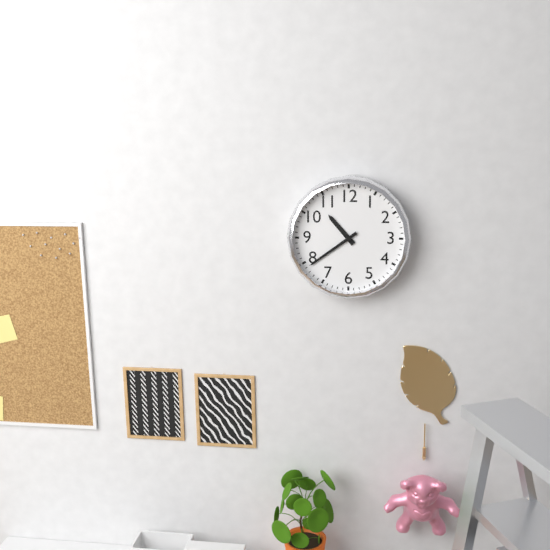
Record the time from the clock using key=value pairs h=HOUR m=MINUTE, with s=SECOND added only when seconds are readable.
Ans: h=10 m=39
